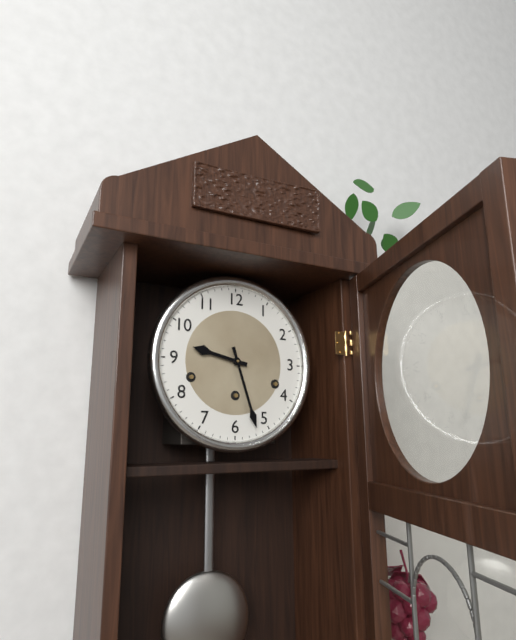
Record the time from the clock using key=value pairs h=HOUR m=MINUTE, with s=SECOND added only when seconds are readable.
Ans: h=9 m=27
